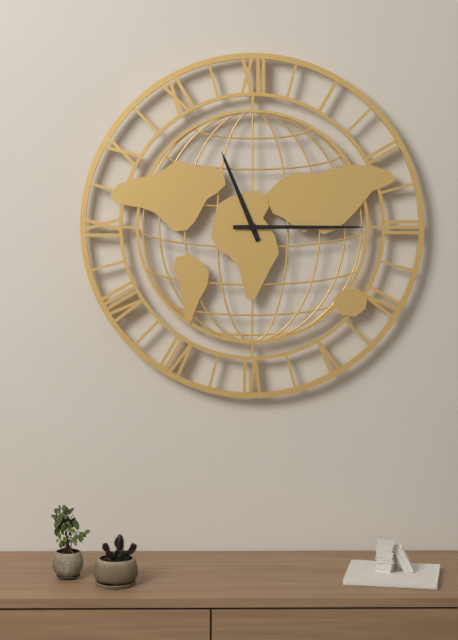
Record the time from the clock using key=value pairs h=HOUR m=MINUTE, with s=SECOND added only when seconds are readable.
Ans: h=11 m=15
